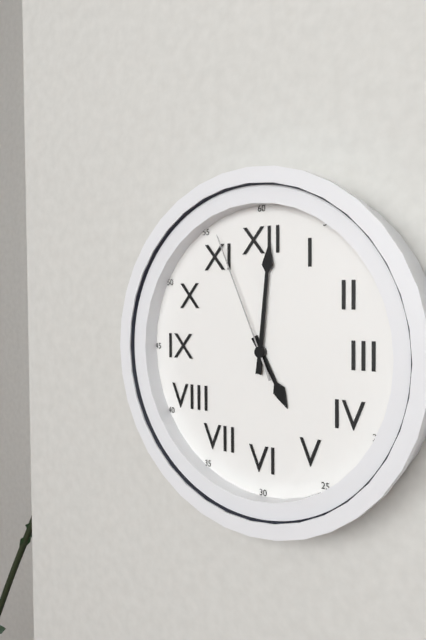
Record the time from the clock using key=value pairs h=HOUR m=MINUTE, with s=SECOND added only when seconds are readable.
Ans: h=5 m=1 s=56
